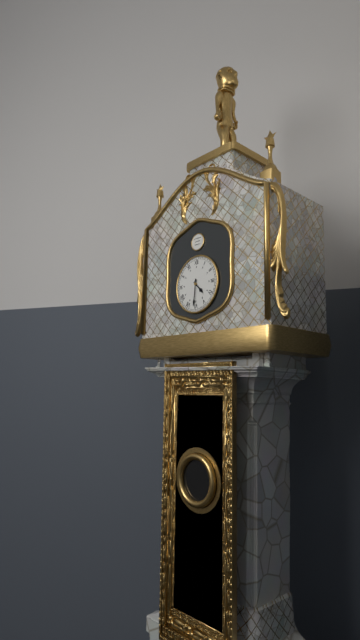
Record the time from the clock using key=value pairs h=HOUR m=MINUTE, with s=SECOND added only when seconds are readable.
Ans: h=4 m=31
